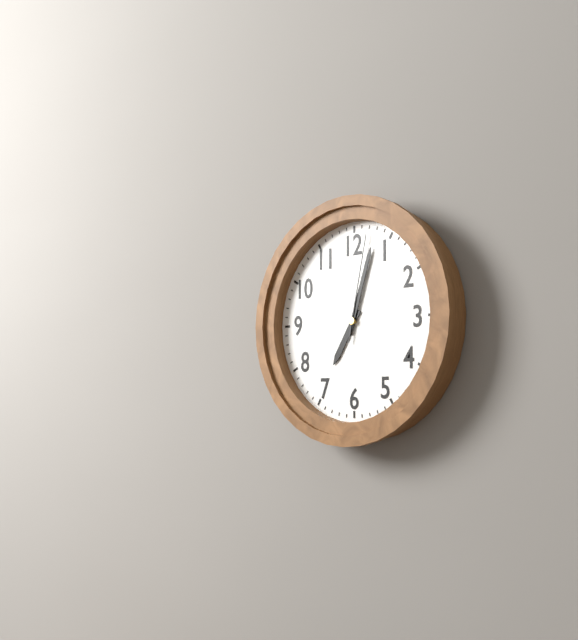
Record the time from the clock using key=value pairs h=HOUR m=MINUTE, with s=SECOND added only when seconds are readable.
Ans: h=7 m=3 s=2
